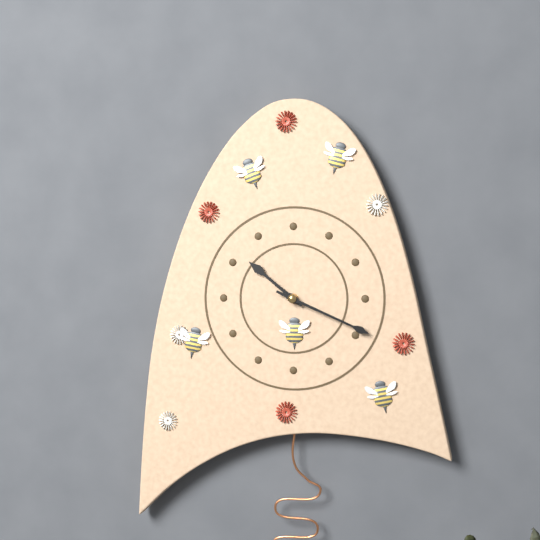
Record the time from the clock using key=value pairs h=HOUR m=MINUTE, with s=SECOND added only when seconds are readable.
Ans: h=10 m=19
